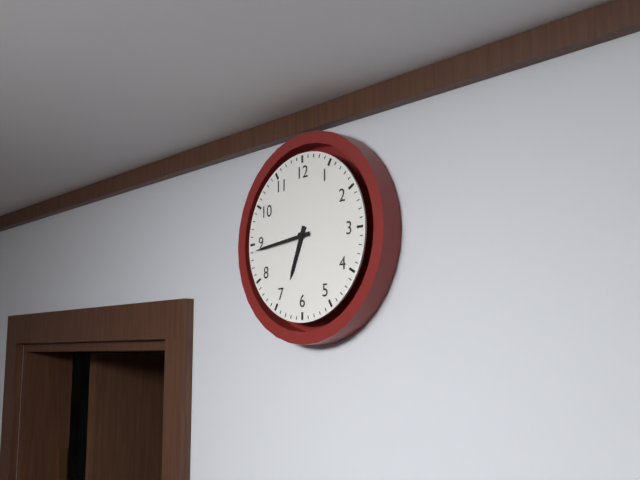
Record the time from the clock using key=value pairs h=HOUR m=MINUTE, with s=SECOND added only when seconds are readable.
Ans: h=6 m=44
